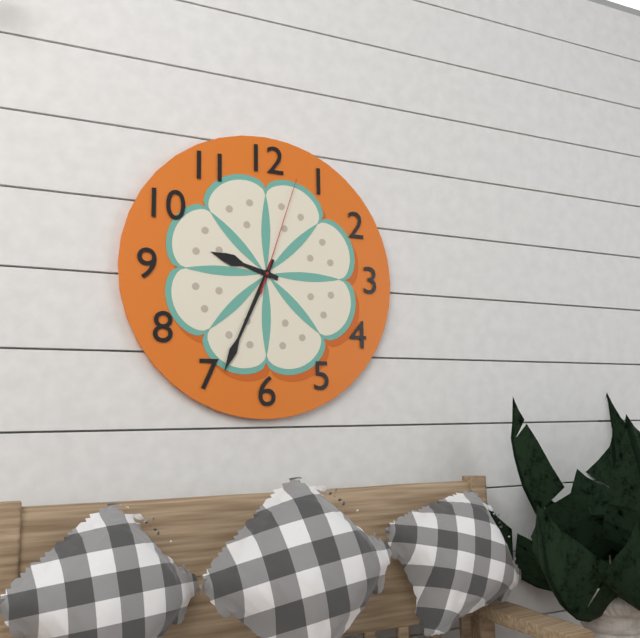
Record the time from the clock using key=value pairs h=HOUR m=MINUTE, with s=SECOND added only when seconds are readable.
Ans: h=9 m=34 s=3
